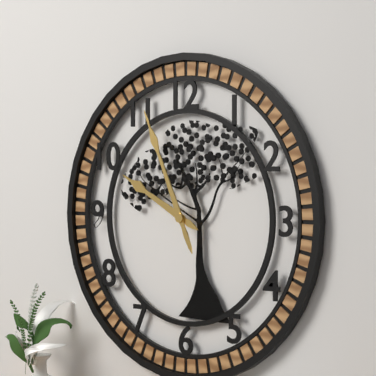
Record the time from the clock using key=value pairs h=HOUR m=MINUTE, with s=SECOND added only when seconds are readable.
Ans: h=9 m=56
